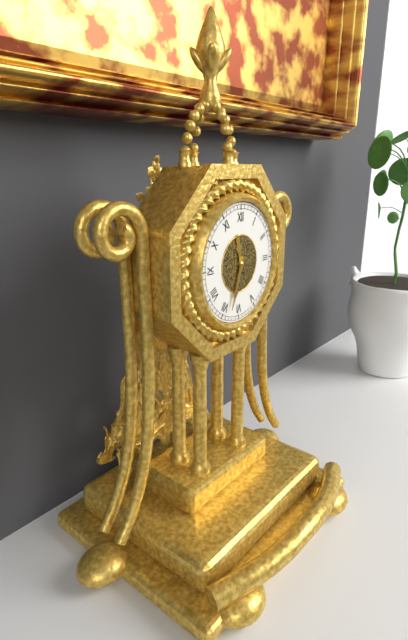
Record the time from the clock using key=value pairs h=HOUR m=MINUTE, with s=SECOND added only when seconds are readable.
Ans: h=11 m=33
